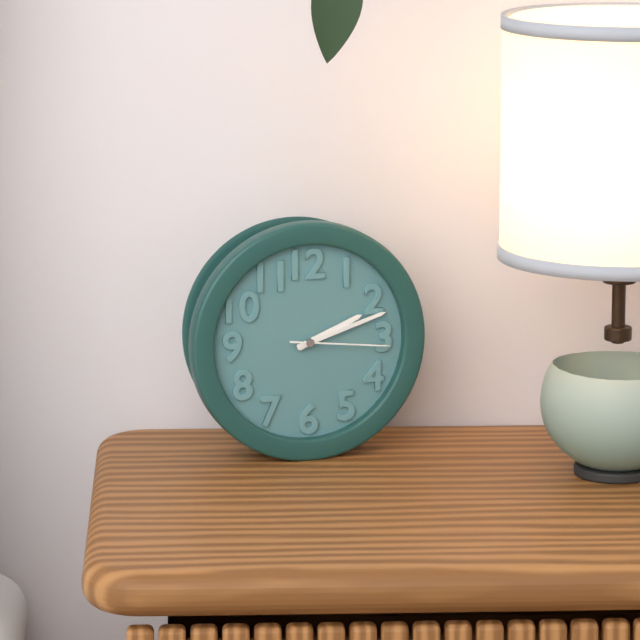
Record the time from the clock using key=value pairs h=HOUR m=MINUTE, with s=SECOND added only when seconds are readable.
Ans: h=2 m=12 s=16
